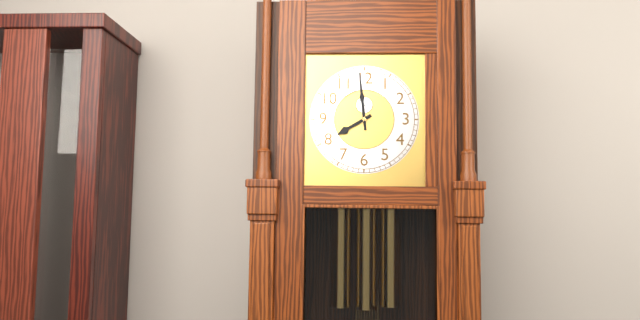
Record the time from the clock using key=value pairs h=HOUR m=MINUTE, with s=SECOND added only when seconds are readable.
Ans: h=7 m=59
